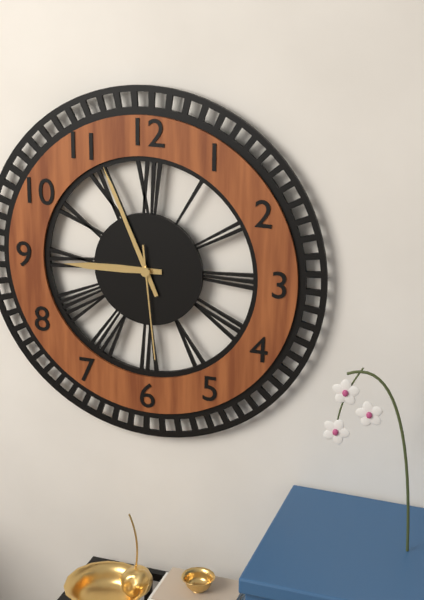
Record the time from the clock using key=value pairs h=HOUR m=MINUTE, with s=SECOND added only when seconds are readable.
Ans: h=8 m=56 s=29
